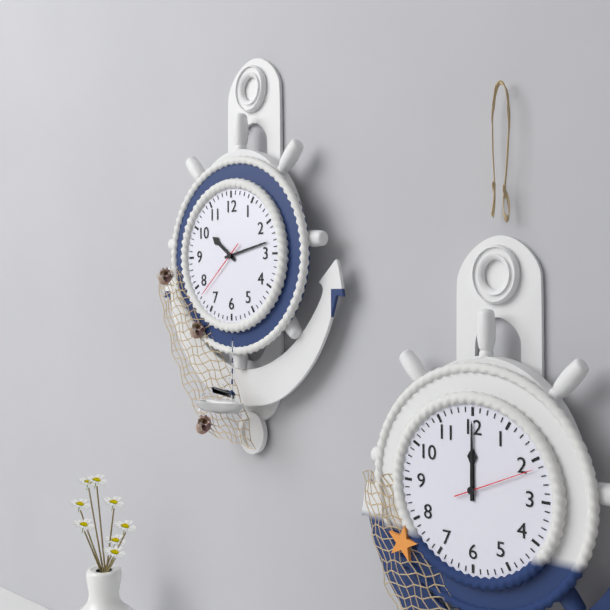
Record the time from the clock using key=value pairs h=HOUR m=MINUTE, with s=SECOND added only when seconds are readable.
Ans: h=10 m=13 s=38
